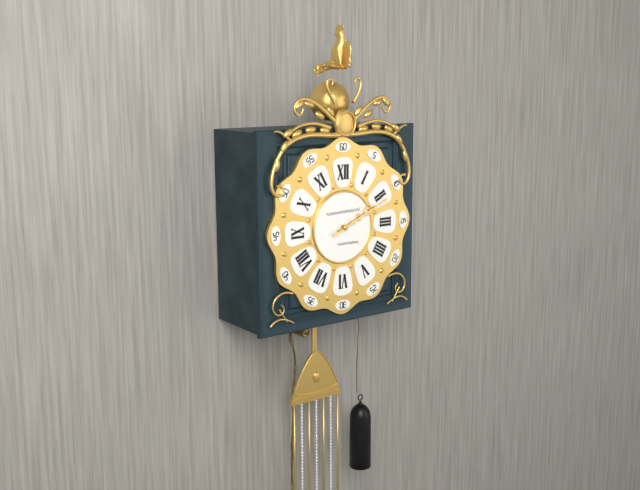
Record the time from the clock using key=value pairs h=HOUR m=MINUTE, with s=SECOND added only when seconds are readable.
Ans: h=2 m=11
